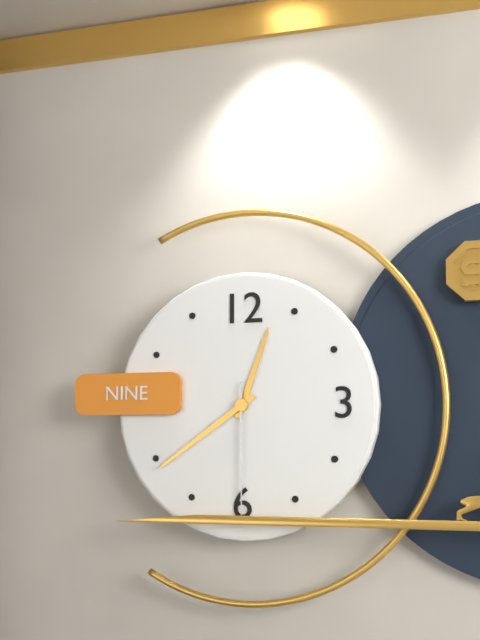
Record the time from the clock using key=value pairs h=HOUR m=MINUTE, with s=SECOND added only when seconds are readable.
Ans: h=12 m=39 s=30
